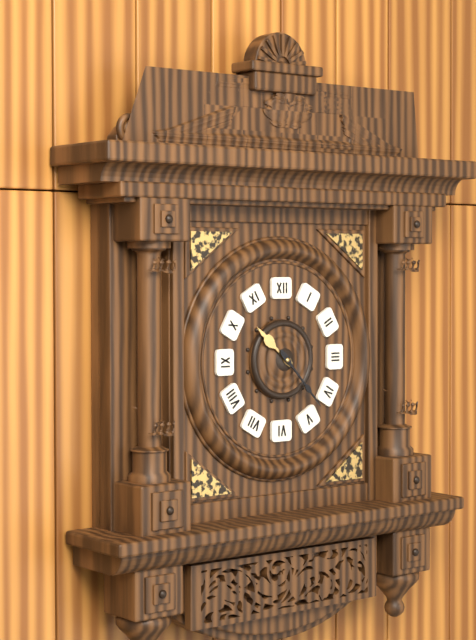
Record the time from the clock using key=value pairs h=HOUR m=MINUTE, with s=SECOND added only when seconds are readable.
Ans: h=10 m=23
